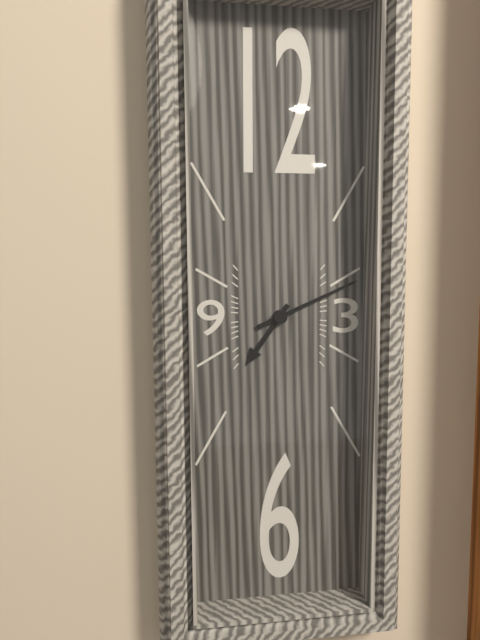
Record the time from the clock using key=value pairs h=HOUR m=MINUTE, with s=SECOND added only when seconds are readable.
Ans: h=7 m=11
